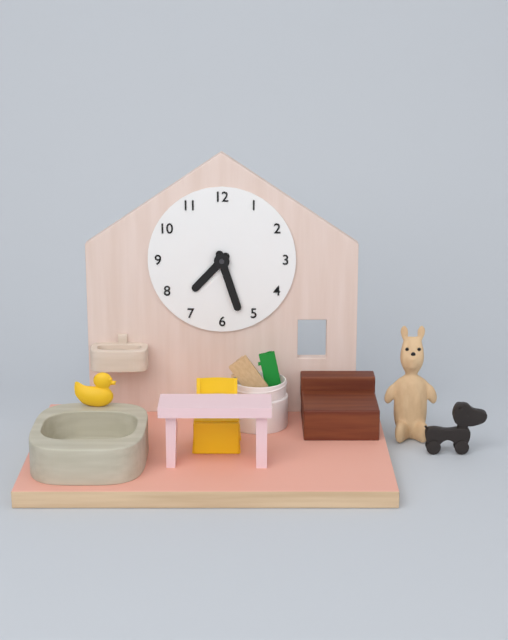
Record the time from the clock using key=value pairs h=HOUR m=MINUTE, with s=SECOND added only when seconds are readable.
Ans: h=7 m=27
